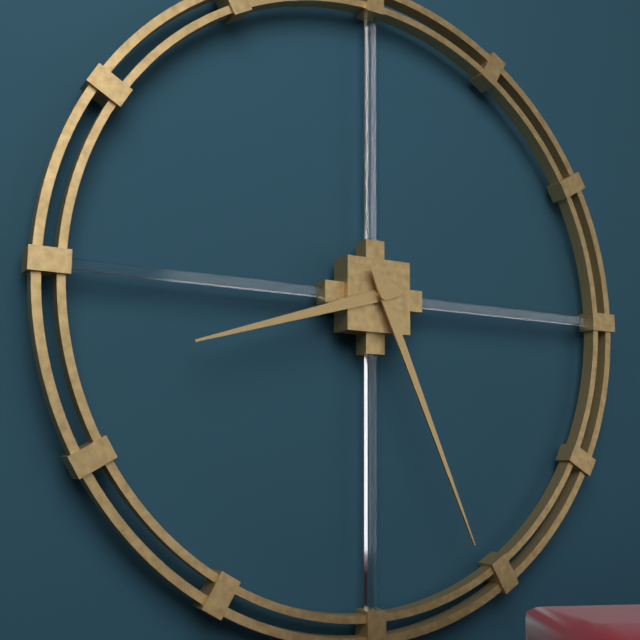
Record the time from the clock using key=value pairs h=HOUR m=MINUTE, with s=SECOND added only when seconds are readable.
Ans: h=8 m=26
